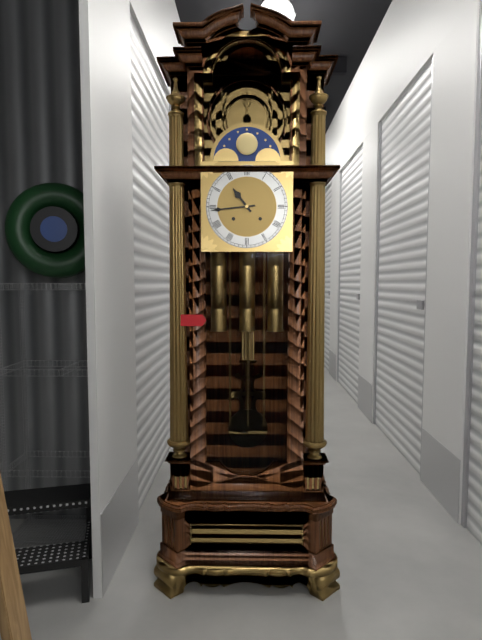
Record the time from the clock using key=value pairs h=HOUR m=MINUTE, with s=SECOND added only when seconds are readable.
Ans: h=10 m=44
